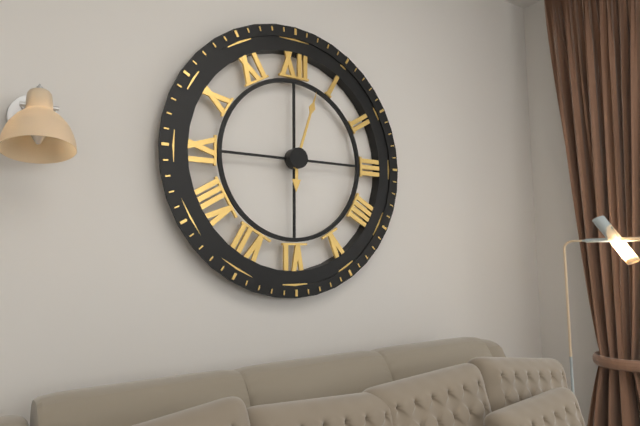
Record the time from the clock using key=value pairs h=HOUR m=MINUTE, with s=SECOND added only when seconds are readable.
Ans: h=6 m=3
